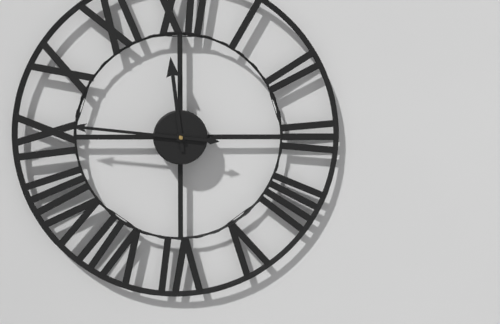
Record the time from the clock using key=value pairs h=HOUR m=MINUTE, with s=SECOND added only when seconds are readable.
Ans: h=11 m=46
